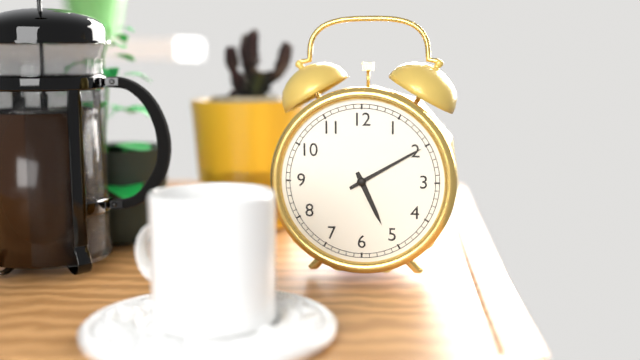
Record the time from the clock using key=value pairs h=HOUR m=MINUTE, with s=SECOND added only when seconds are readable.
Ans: h=5 m=10
